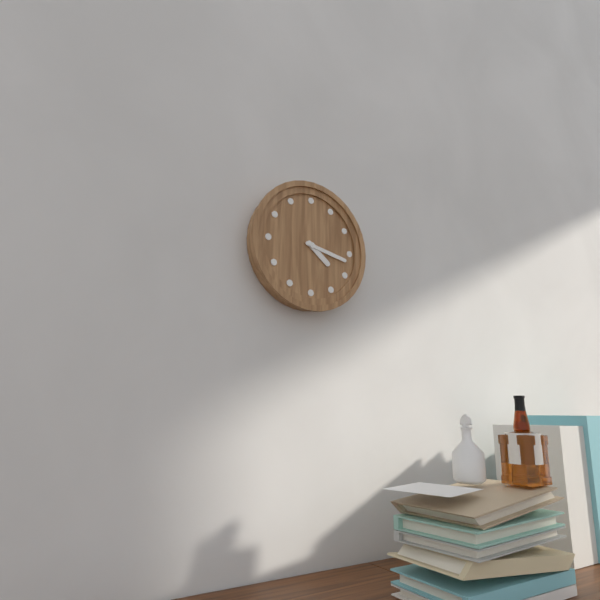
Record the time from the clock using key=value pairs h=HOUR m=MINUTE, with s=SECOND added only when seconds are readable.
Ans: h=4 m=17
